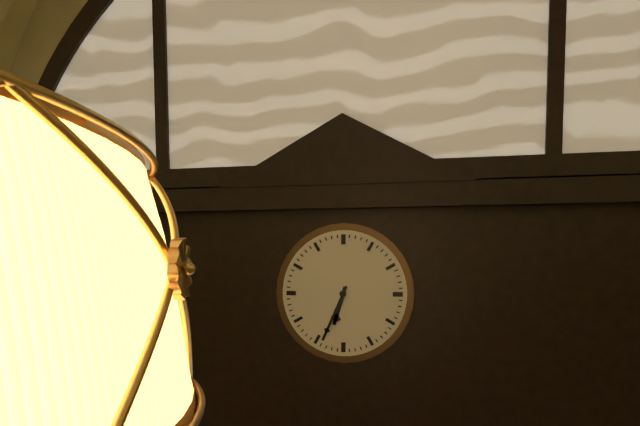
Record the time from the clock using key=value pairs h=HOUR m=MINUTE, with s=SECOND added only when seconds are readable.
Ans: h=6 m=34
